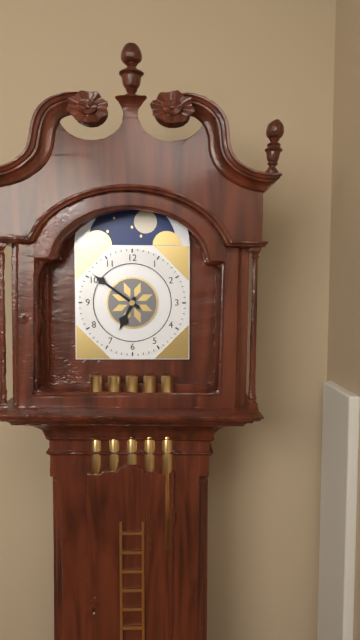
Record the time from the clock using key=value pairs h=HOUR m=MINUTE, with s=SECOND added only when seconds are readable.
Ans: h=6 m=51
